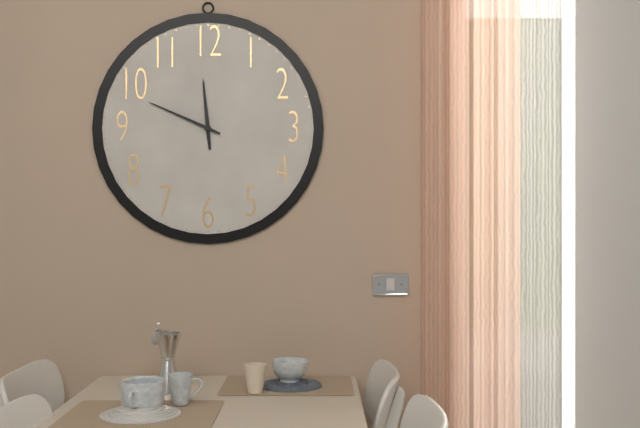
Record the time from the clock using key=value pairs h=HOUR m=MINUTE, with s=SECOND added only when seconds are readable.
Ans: h=11 m=49
